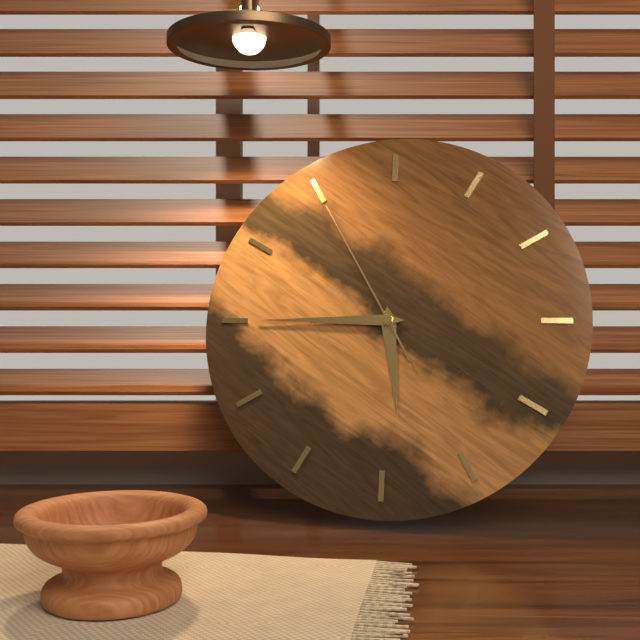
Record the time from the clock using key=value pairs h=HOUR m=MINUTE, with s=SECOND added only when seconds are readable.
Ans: h=5 m=45 s=55
